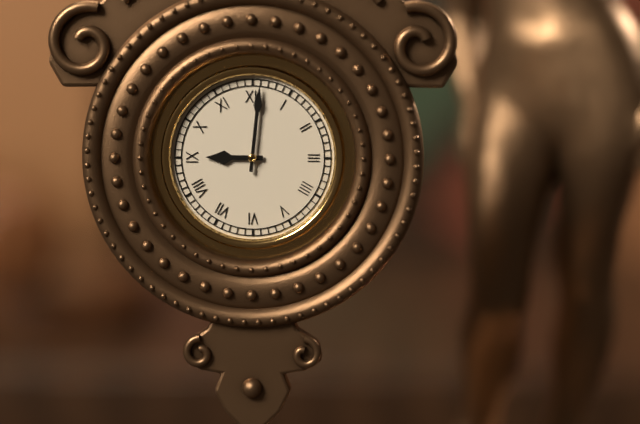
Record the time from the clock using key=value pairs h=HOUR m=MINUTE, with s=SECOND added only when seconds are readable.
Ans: h=9 m=1
